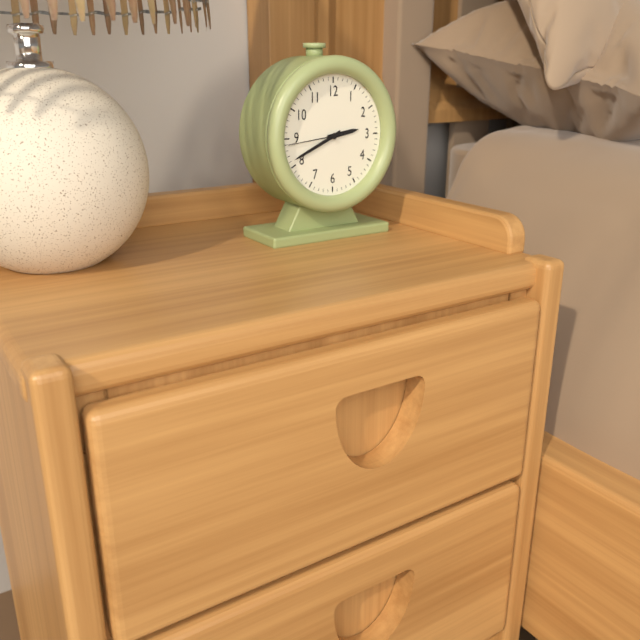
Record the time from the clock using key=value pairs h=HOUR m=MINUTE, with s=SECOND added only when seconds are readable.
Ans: h=2 m=41 s=44
